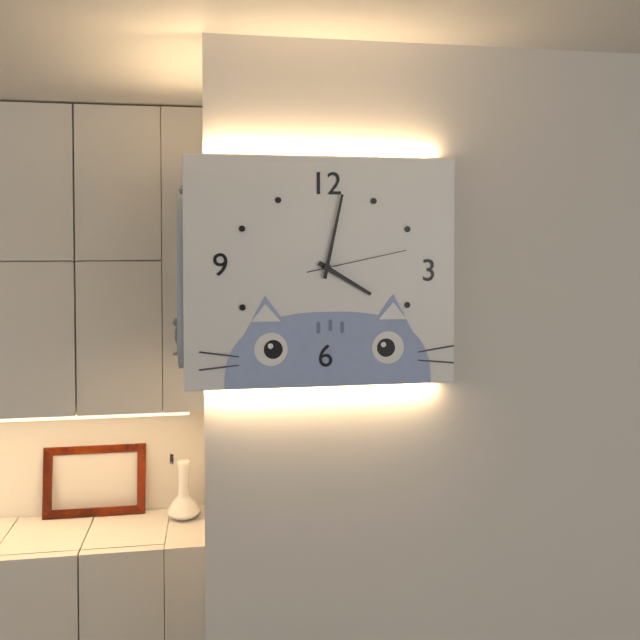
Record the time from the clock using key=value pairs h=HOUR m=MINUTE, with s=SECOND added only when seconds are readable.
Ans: h=4 m=2 s=13
